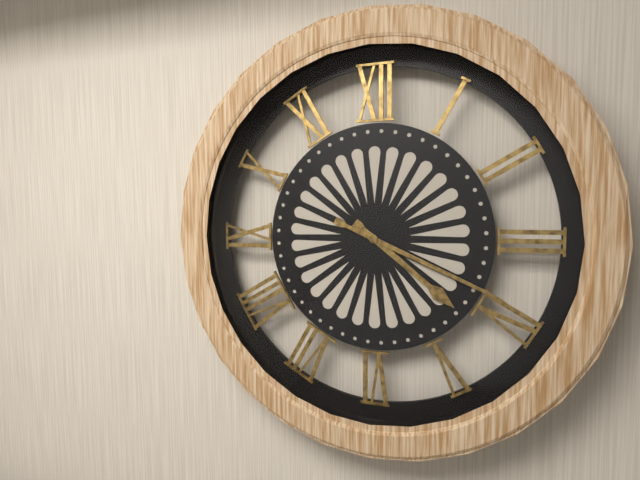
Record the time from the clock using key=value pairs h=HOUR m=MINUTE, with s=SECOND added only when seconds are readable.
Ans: h=4 m=19
